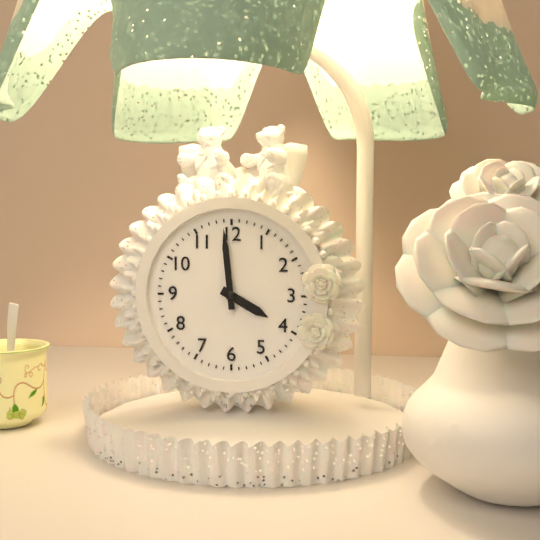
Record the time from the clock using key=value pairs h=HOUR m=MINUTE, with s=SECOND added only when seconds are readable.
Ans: h=3 m=59
